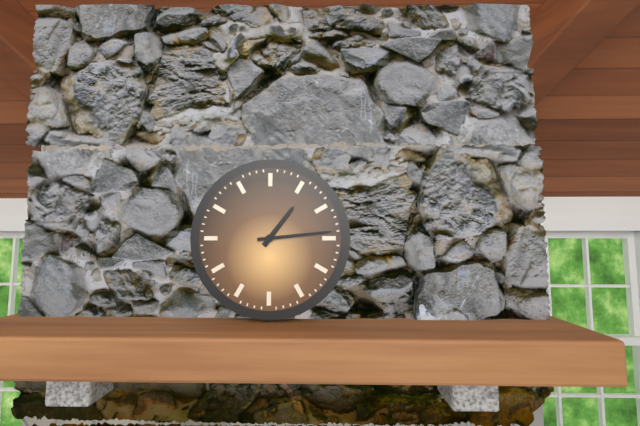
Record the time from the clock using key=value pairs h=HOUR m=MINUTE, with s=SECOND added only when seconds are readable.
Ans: h=1 m=14
